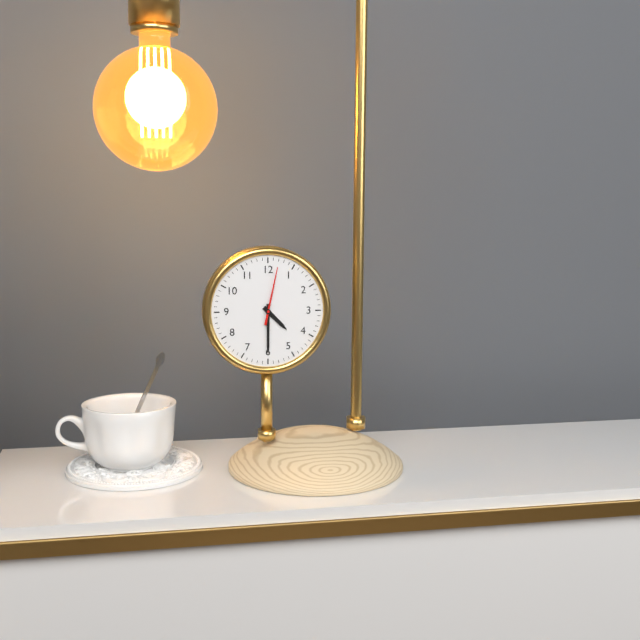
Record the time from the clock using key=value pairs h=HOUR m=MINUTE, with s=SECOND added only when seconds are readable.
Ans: h=4 m=30 s=2
